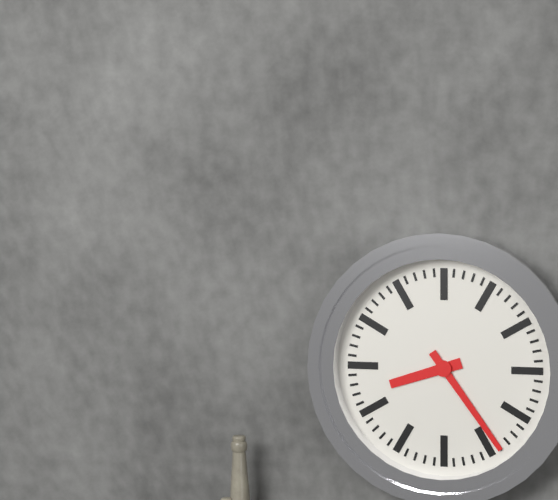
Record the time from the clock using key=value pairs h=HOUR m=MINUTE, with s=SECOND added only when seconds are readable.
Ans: h=8 m=24
